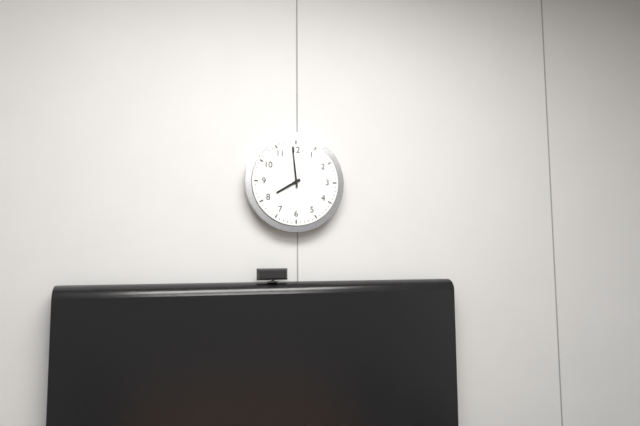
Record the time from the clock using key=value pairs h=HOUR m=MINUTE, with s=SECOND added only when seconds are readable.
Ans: h=7 m=59
